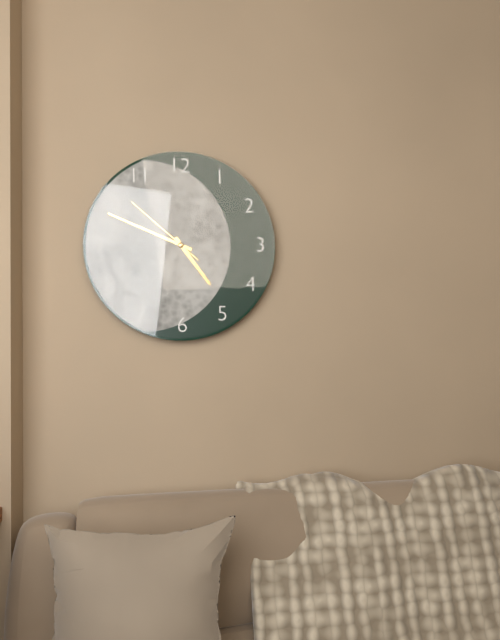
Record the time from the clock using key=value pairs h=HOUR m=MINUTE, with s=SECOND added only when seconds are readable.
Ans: h=4 m=49 s=52
